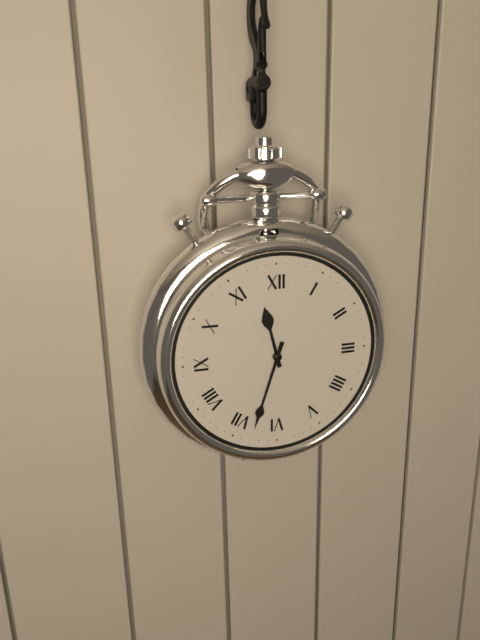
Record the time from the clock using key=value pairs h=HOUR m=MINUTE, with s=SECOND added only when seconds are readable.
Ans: h=11 m=33
